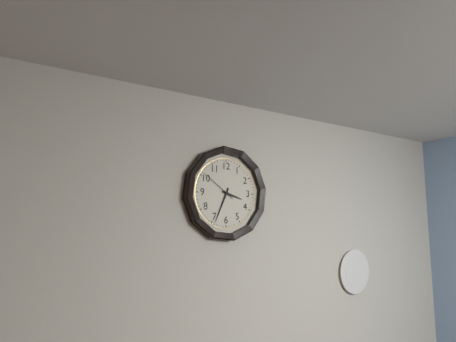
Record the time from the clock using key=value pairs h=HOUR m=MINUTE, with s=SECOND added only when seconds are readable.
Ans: h=3 m=34
